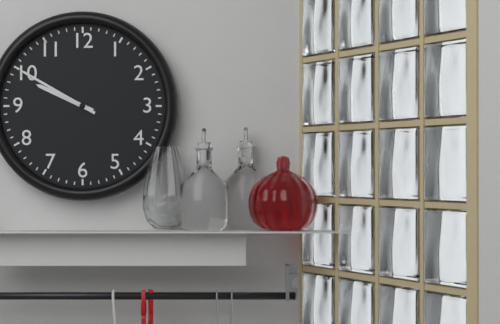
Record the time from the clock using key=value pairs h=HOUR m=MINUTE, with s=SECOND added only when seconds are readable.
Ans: h=9 m=50
